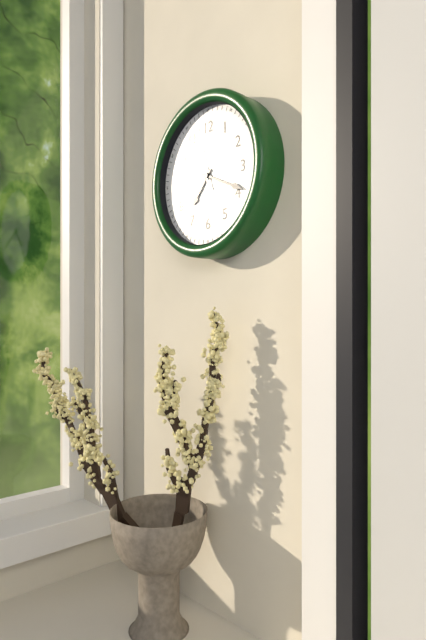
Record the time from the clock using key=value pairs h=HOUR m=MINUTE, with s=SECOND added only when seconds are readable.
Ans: h=7 m=19 s=57
